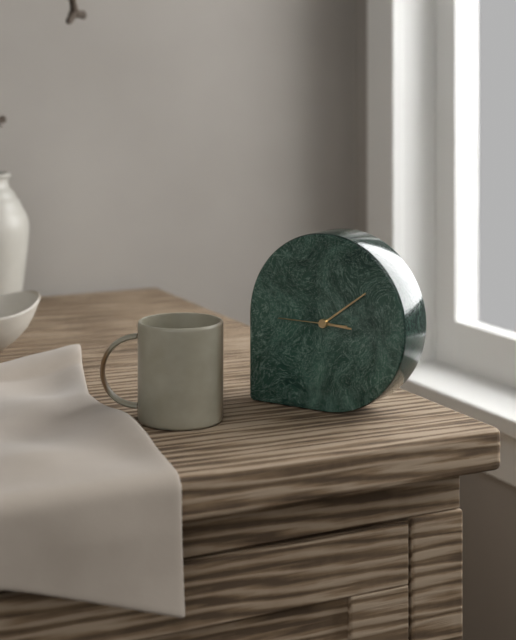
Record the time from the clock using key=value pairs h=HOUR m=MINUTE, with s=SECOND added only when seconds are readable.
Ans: h=3 m=9 s=45
